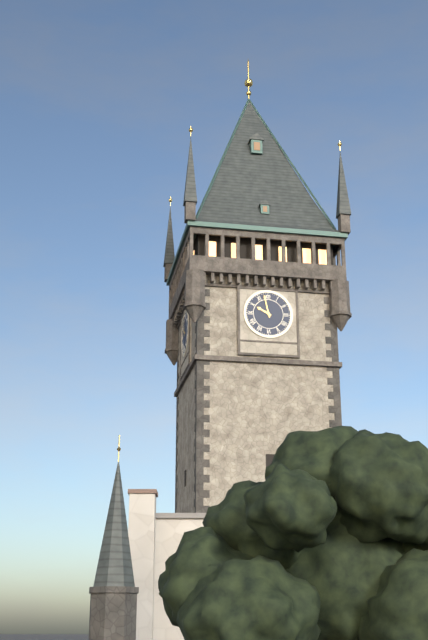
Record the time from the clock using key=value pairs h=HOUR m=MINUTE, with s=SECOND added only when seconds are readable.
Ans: h=9 m=58
